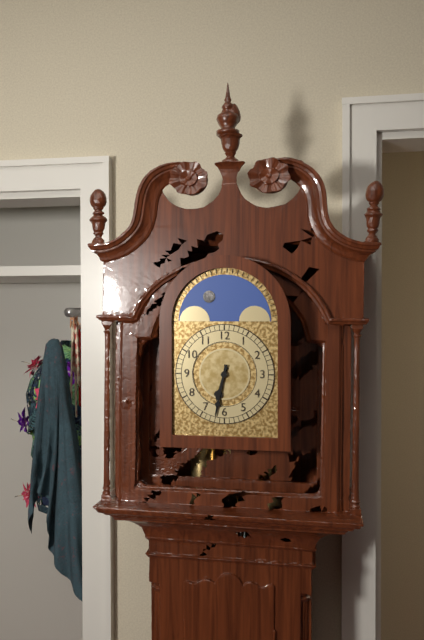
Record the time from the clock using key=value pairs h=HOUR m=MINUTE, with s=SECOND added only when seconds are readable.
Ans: h=6 m=32
